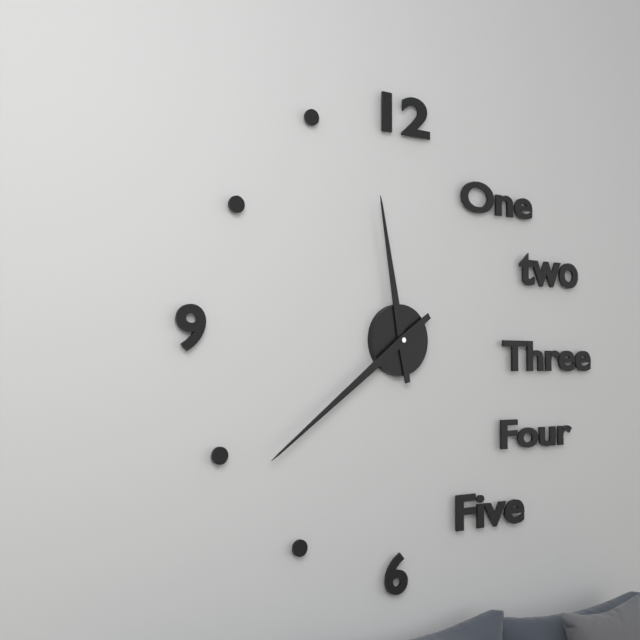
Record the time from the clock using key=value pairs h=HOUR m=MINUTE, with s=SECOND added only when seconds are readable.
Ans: h=11 m=39
